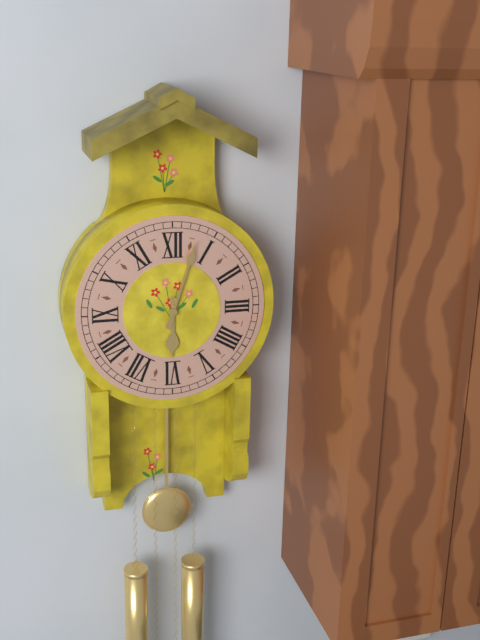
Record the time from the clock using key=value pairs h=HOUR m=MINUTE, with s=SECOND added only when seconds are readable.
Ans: h=6 m=3
